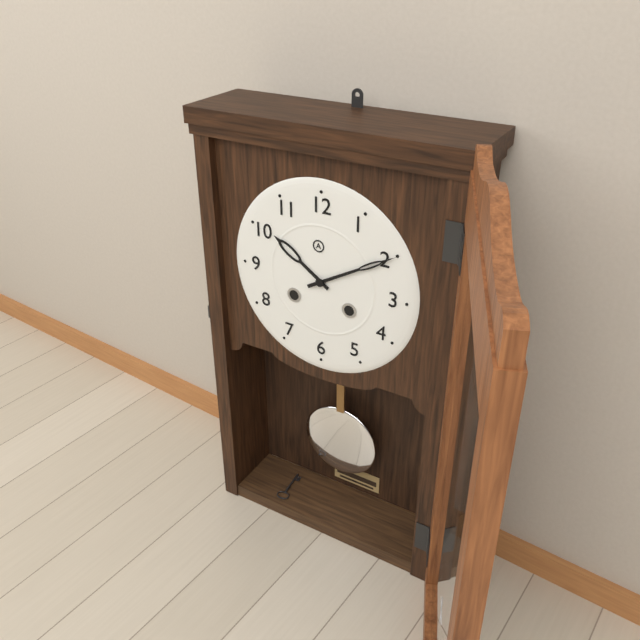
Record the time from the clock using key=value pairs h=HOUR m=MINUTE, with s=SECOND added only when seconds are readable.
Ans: h=10 m=10
